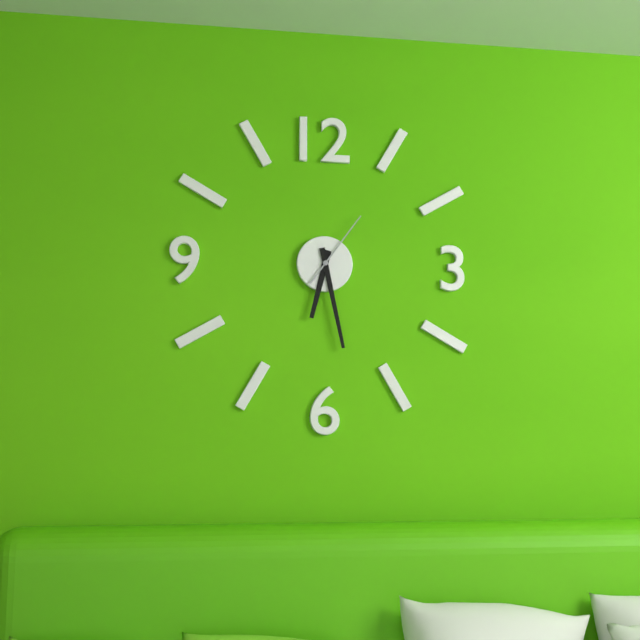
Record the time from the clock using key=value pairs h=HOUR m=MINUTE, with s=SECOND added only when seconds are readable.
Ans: h=6 m=28 s=6
